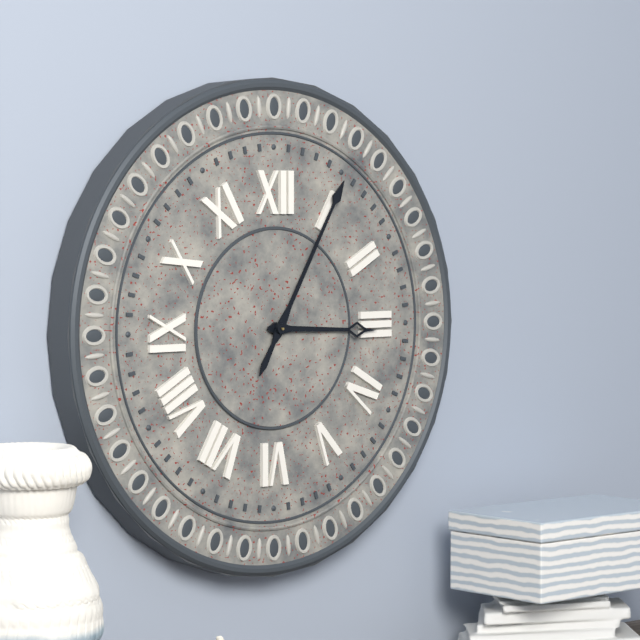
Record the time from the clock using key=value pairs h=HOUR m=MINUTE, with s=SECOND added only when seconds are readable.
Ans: h=3 m=5
